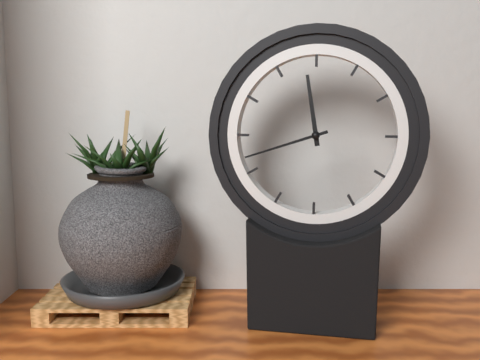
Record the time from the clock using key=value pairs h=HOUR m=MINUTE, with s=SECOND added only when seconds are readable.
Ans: h=11 m=42
